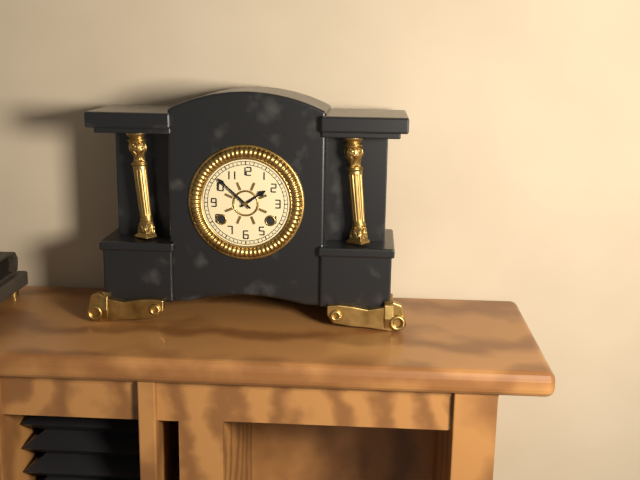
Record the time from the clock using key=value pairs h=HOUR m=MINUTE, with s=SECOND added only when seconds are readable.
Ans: h=1 m=52
